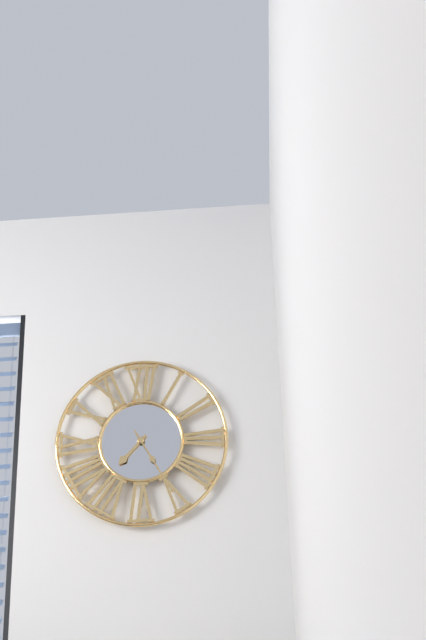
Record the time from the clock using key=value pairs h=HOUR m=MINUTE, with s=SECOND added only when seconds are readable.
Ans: h=7 m=25
